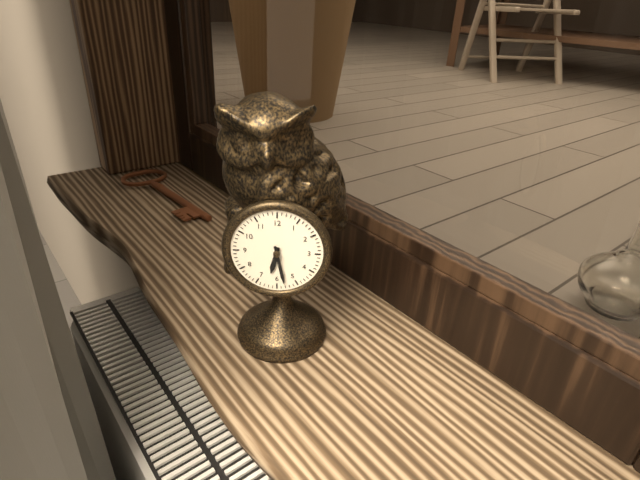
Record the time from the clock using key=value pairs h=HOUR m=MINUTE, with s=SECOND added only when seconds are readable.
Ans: h=6 m=28
